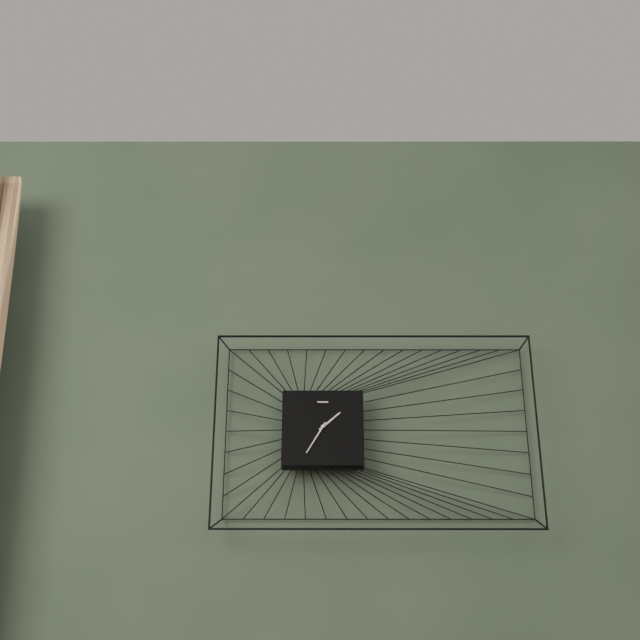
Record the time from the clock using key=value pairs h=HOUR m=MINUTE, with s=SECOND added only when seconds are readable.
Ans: h=1 m=35
